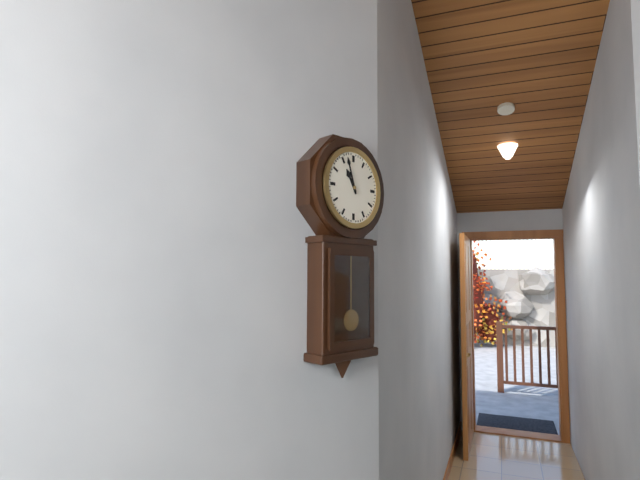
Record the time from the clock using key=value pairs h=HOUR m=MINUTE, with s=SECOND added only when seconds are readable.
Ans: h=10 m=57
